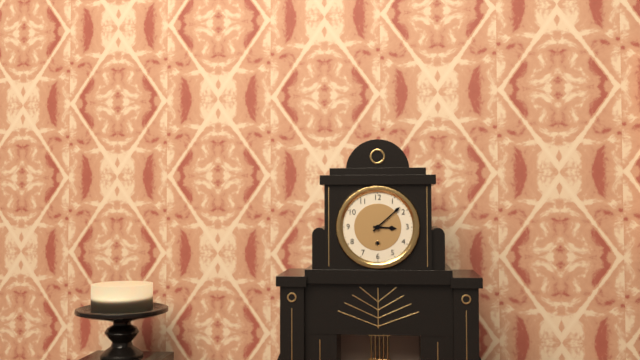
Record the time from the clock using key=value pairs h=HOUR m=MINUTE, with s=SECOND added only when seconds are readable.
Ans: h=3 m=8
